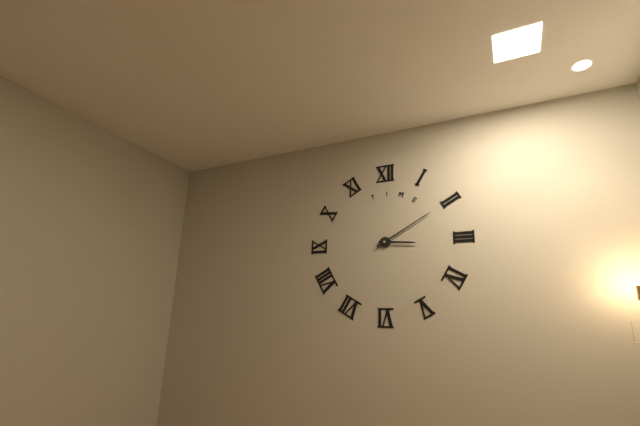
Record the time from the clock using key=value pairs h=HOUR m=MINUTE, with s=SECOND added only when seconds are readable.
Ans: h=3 m=10
